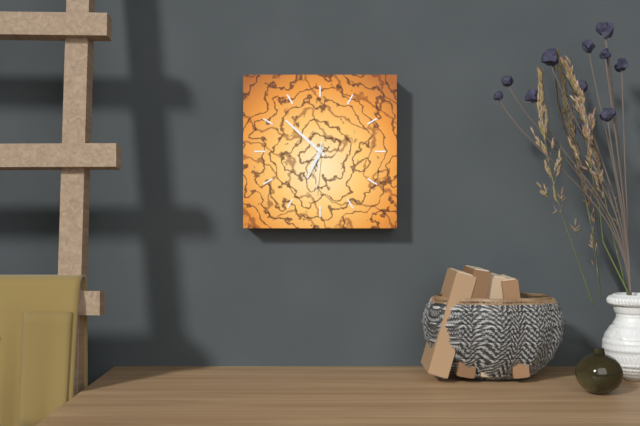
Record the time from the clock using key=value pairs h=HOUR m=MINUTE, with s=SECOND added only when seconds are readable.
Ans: h=6 m=52 s=31
